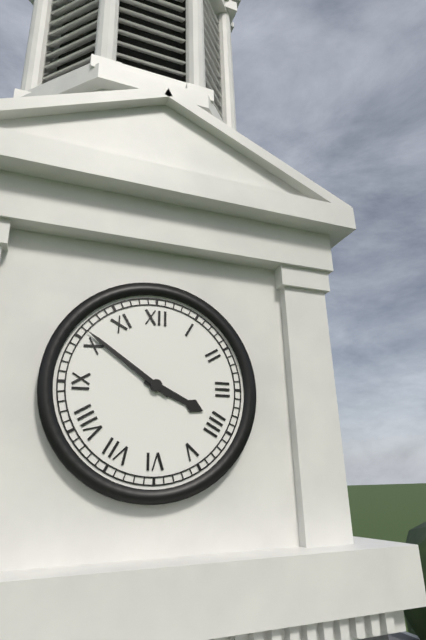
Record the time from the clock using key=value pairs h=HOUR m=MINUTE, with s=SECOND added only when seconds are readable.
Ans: h=3 m=51
